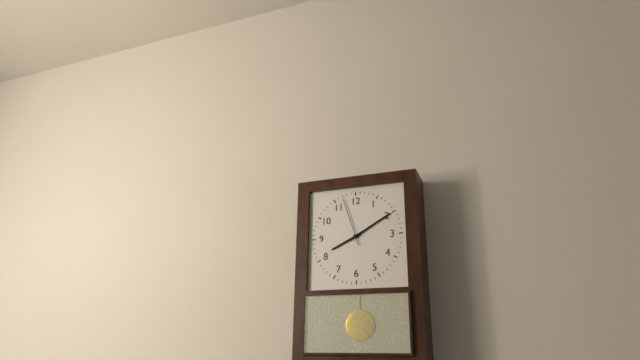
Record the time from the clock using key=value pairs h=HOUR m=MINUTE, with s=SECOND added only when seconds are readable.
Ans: h=8 m=10
